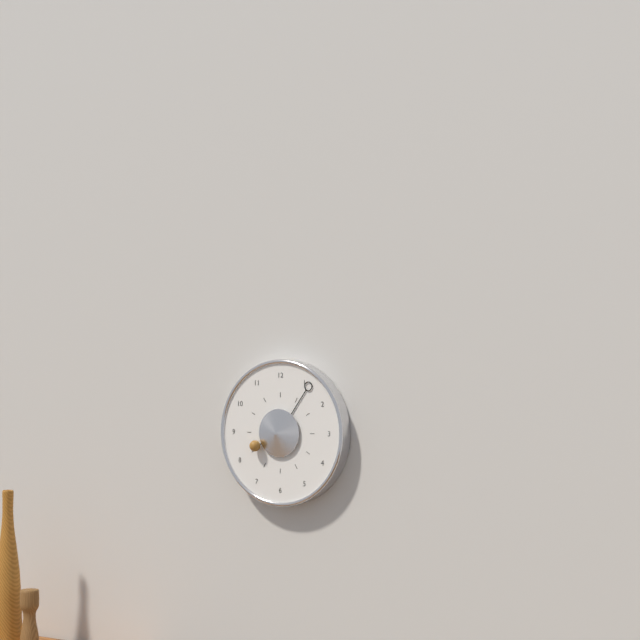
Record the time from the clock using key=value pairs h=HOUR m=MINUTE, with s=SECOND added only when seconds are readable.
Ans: h=8 m=6
